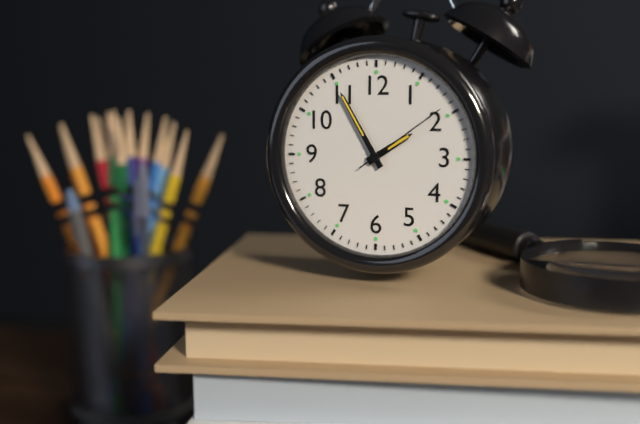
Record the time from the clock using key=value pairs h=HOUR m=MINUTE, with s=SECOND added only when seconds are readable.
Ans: h=1 m=55 s=9
